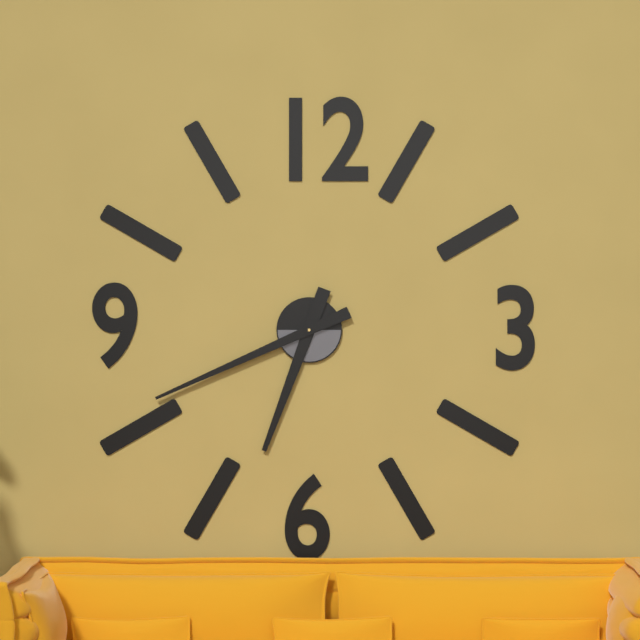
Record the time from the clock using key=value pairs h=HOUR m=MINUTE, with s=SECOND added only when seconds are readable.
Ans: h=6 m=41
